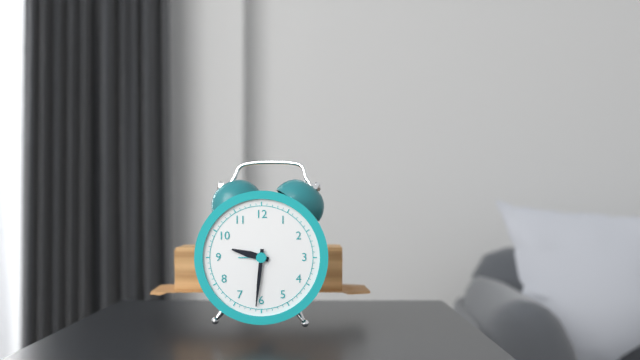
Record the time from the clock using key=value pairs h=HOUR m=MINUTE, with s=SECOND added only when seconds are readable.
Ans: h=9 m=31
